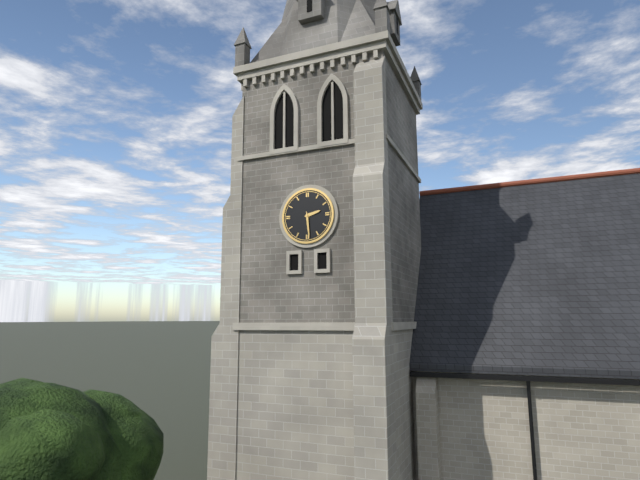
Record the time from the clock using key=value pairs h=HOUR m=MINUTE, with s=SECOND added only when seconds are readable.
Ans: h=2 m=29
